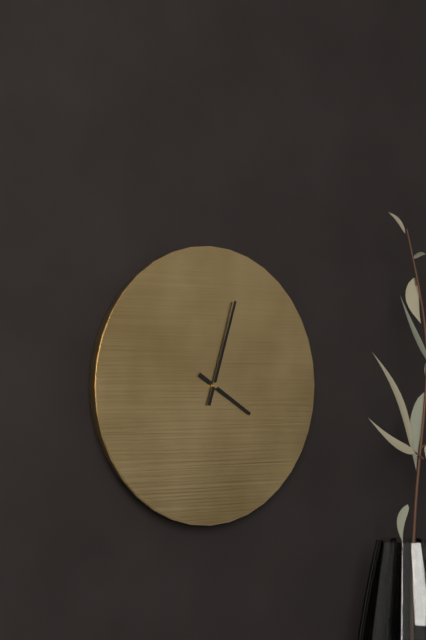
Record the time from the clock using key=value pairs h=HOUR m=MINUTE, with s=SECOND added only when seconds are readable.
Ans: h=4 m=3
